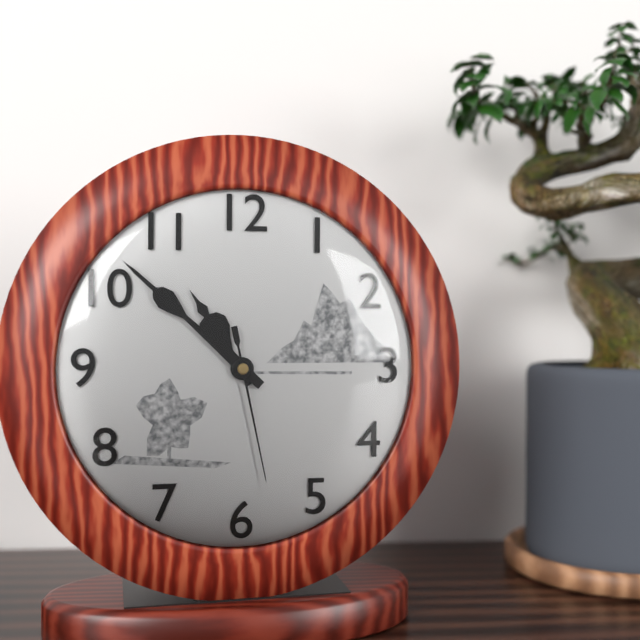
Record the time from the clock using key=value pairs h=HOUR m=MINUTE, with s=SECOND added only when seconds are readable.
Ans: h=10 m=52 s=28
